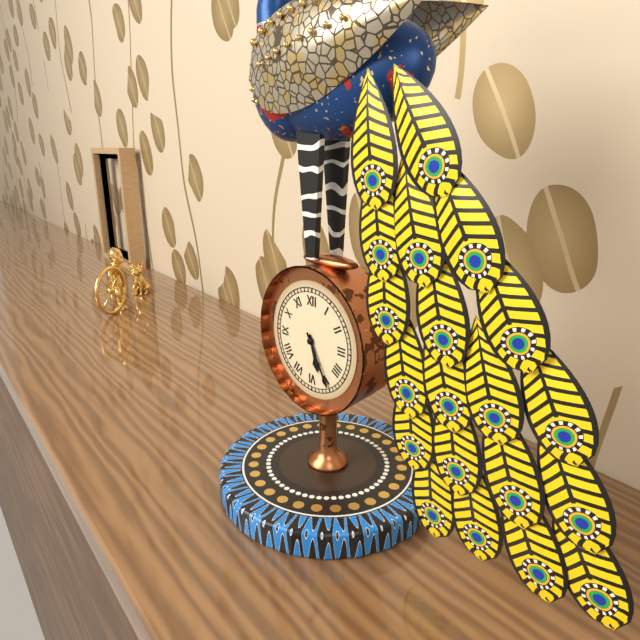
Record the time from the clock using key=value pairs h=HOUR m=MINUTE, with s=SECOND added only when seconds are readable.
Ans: h=5 m=25
